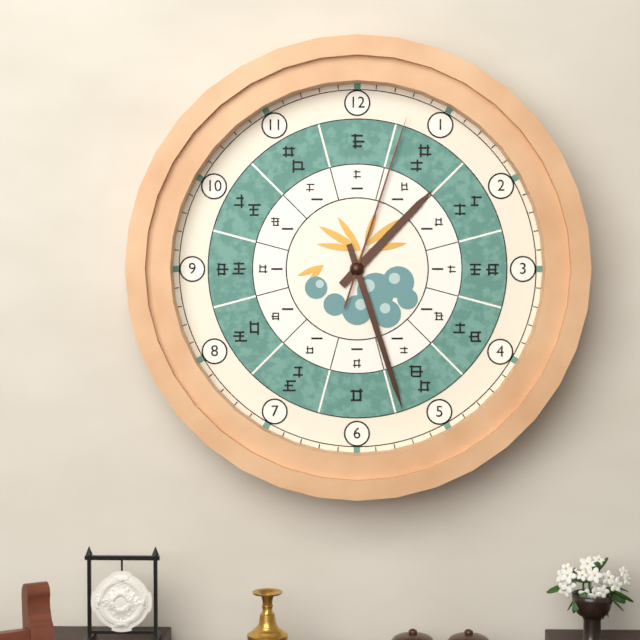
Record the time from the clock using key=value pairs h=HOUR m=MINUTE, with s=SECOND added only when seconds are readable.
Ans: h=1 m=27 s=3
